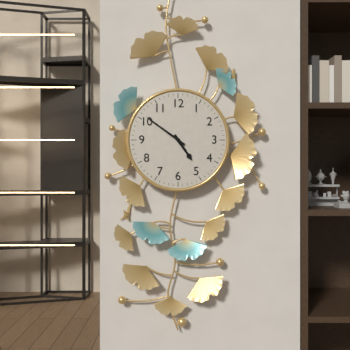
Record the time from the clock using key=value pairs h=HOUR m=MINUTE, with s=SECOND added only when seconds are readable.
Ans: h=4 m=51
